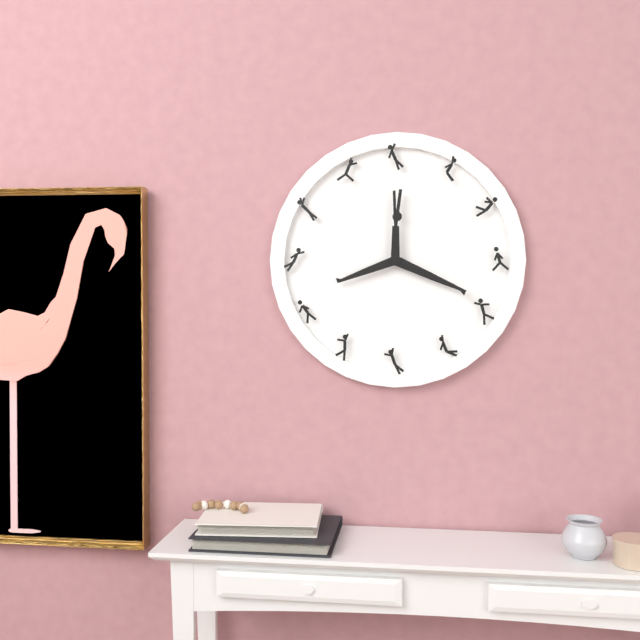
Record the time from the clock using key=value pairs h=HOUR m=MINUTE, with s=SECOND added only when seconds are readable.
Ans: h=8 m=19
